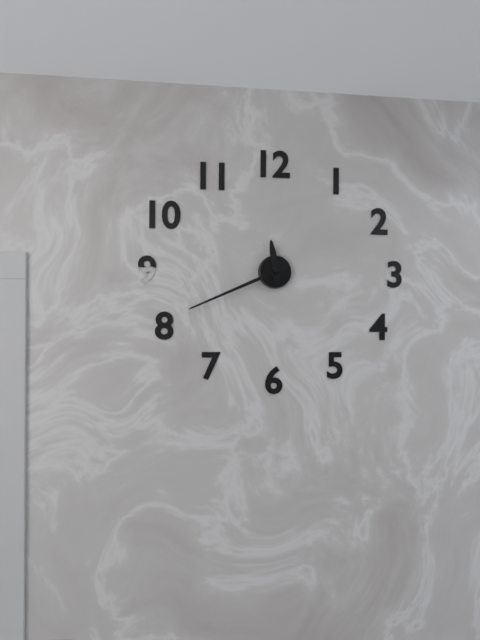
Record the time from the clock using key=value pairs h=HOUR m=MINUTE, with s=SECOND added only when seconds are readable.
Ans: h=11 m=41
